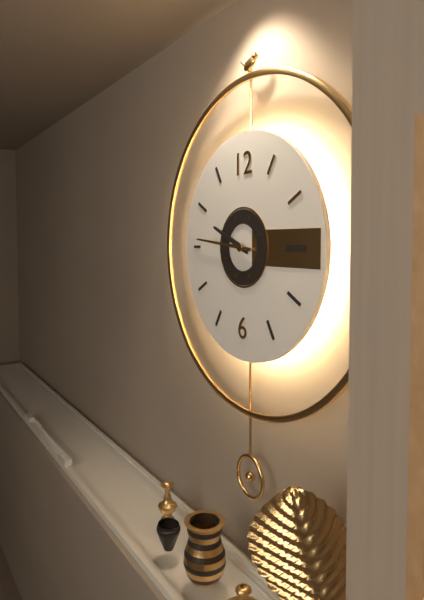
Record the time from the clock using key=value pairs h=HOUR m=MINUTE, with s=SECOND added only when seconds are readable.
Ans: h=9 m=46
